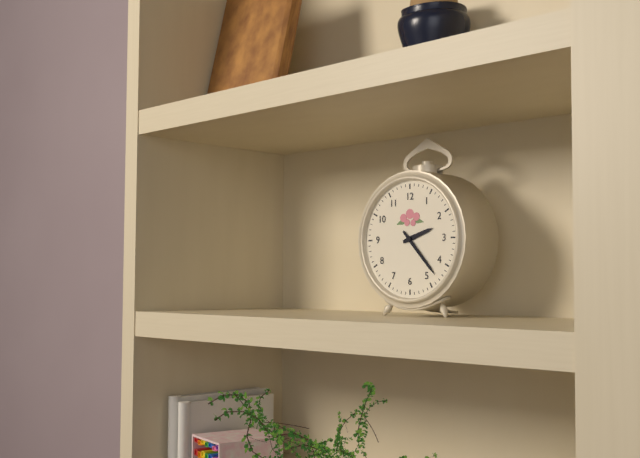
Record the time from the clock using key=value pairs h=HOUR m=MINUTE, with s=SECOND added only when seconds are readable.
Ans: h=2 m=23
